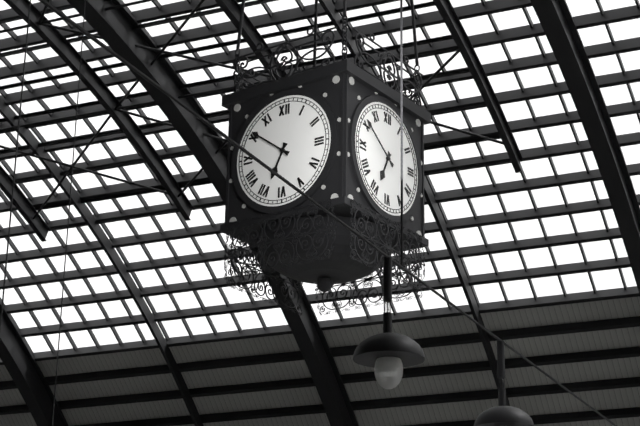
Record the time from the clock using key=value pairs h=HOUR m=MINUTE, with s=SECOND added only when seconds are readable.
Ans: h=6 m=51
